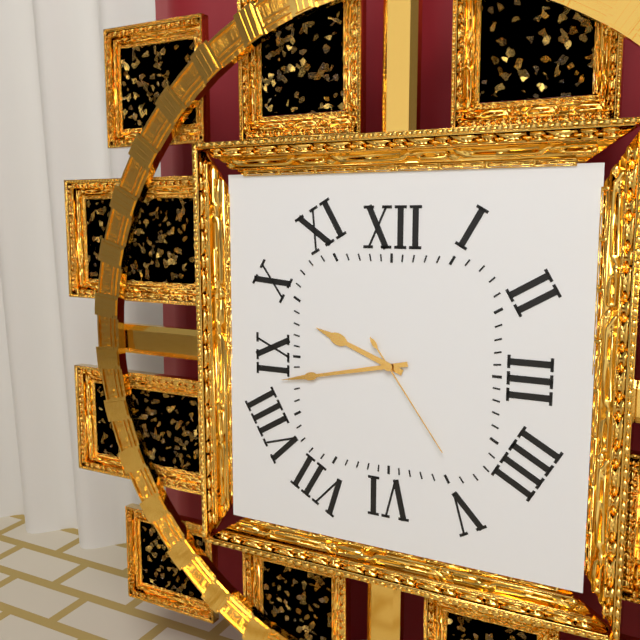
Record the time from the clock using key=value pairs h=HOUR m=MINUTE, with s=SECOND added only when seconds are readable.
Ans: h=9 m=43 s=24
